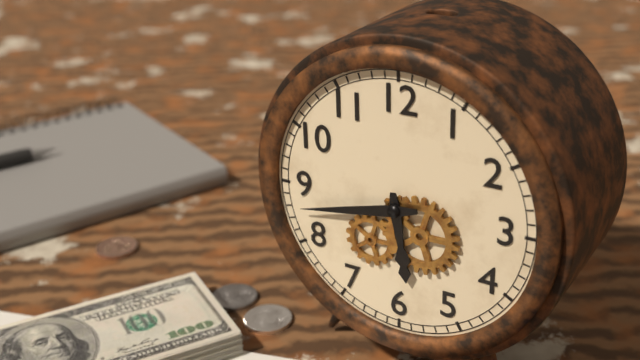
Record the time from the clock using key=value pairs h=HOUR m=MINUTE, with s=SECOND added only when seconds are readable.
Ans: h=5 m=43
